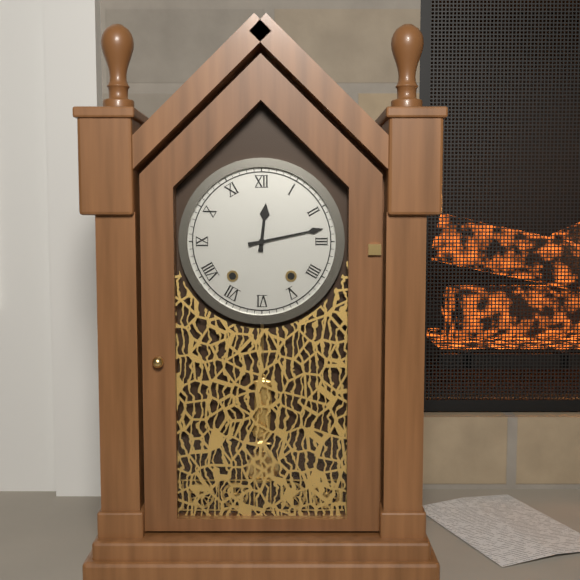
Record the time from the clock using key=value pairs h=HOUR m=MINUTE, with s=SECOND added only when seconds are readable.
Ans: h=12 m=13
